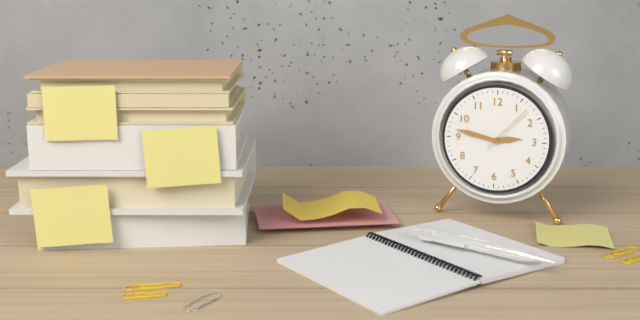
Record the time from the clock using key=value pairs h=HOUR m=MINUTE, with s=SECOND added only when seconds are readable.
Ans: h=2 m=47 s=7
